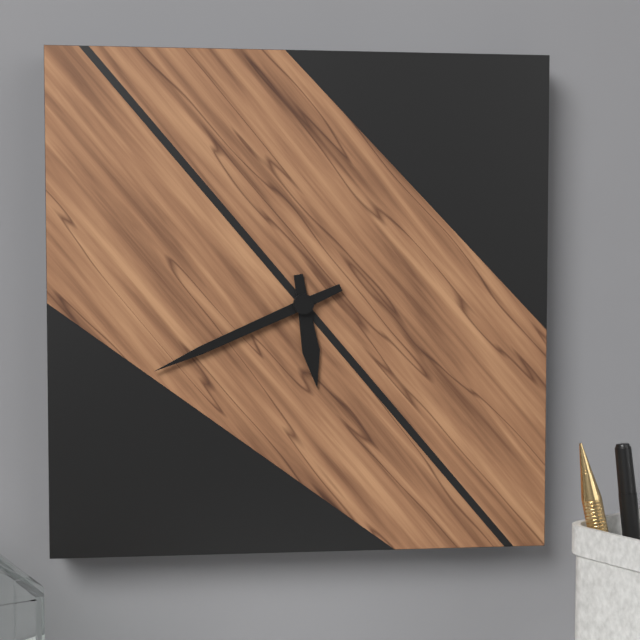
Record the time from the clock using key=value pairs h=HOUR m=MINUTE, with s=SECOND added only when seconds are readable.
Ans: h=5 m=41
